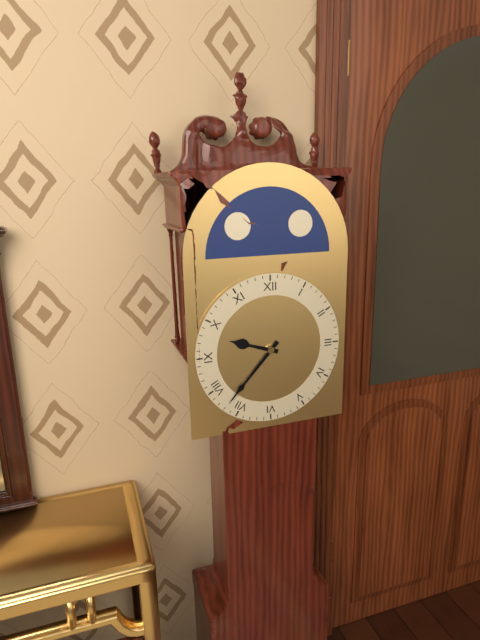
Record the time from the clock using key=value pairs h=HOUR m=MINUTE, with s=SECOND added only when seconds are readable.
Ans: h=9 m=37
